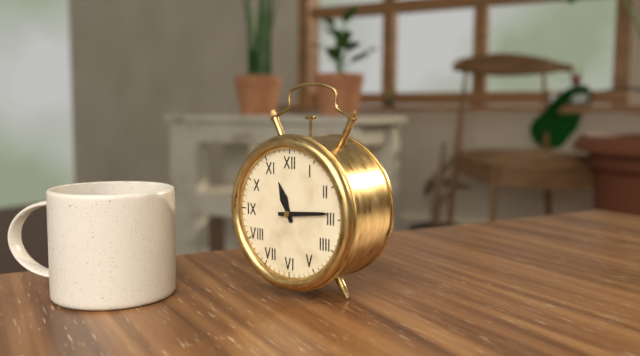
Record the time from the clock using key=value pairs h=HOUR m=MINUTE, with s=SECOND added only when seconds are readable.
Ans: h=11 m=14
